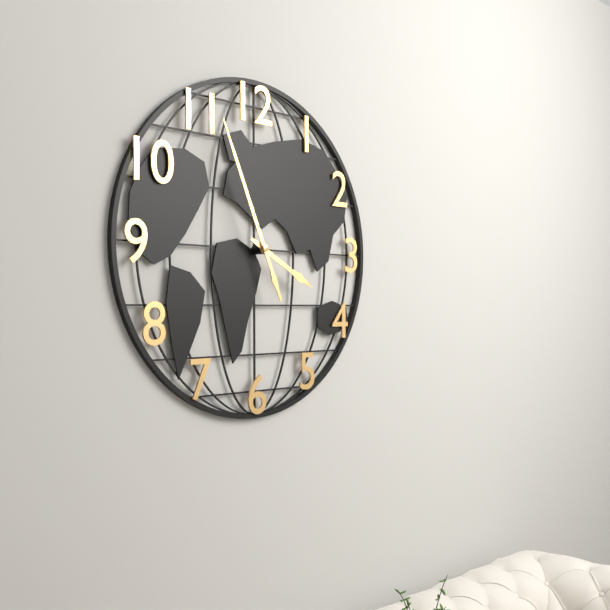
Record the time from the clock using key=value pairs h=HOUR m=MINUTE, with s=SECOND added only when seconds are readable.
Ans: h=3 m=56
